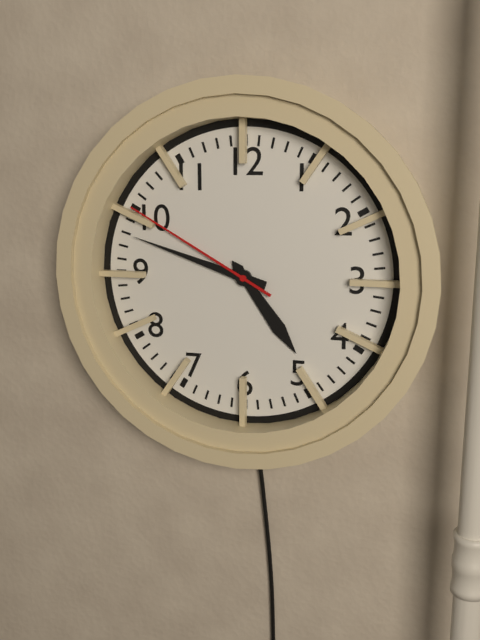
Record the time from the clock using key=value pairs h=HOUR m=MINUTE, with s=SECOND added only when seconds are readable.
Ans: h=4 m=48 s=50
